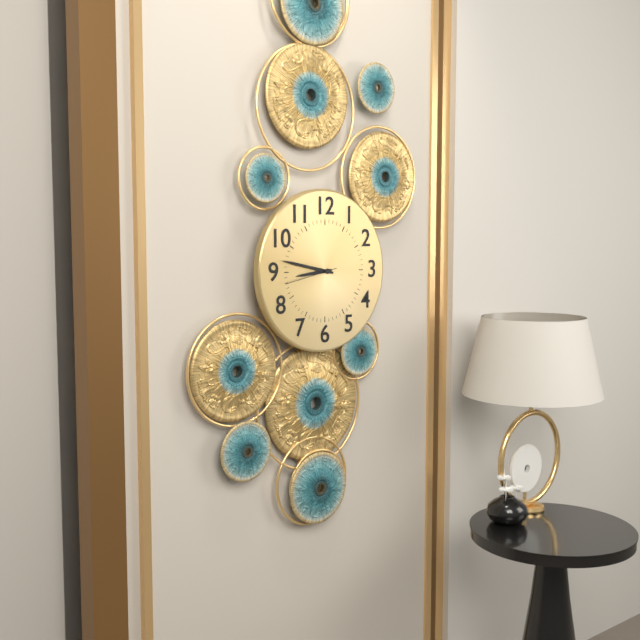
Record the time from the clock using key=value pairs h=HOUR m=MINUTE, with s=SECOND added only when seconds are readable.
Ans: h=8 m=47
